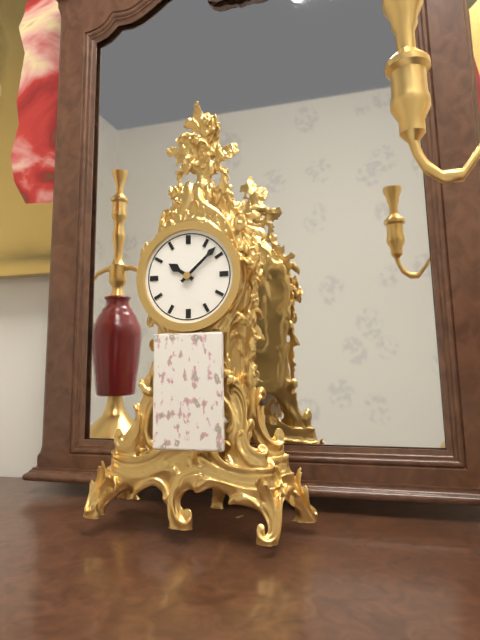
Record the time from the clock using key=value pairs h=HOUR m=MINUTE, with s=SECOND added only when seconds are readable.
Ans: h=10 m=8
